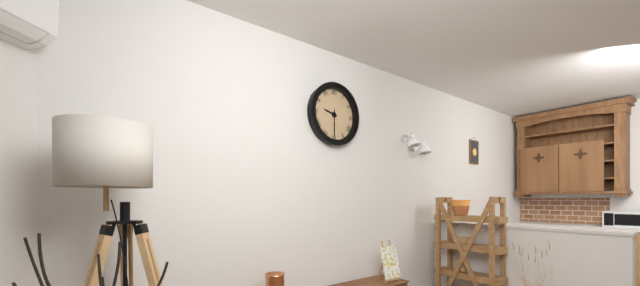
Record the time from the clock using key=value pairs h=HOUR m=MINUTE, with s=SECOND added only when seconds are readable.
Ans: h=9 m=30
